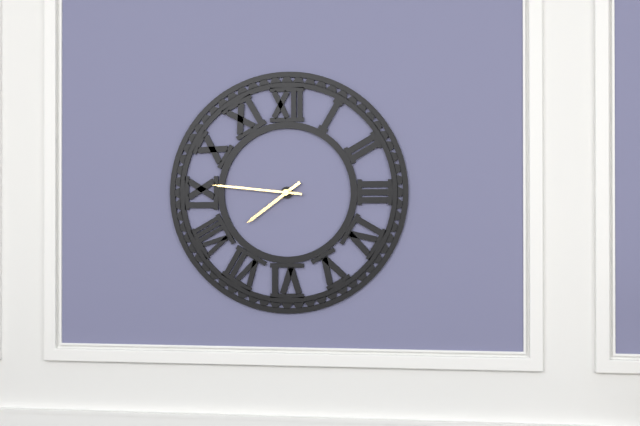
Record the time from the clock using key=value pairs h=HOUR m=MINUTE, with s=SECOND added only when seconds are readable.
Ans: h=7 m=46
